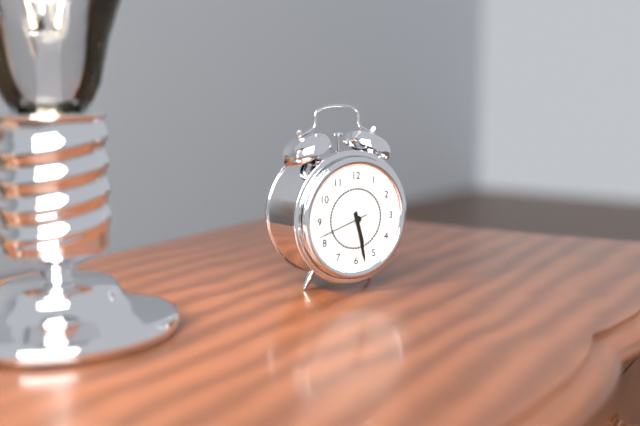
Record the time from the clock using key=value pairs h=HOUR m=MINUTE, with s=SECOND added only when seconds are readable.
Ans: h=5 m=28 s=42
